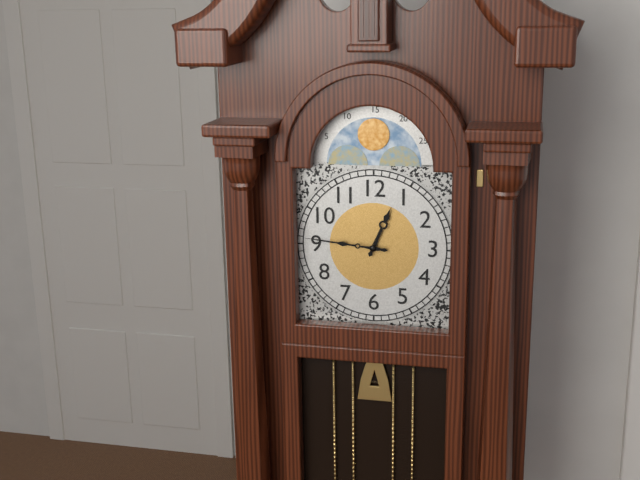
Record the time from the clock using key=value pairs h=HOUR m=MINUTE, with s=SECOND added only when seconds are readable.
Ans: h=12 m=46
